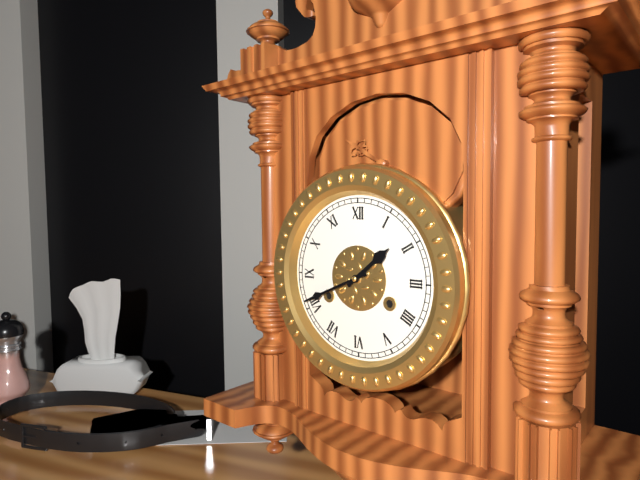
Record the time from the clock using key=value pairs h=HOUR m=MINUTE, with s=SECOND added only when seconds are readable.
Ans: h=1 m=41
